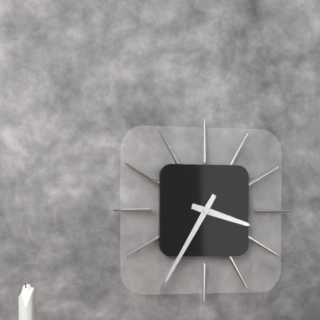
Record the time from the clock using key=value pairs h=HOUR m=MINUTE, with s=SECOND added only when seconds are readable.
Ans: h=3 m=35
